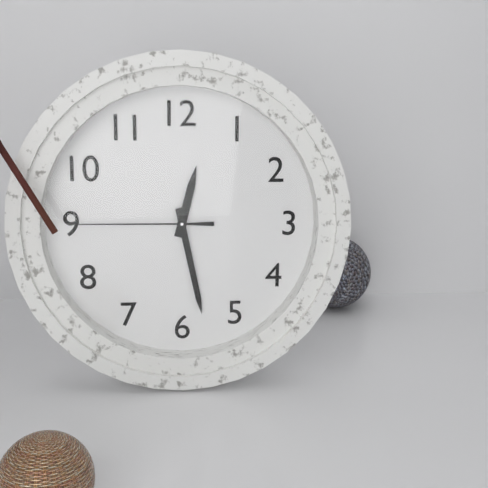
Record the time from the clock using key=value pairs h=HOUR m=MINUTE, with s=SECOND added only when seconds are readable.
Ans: h=12 m=28 s=45
